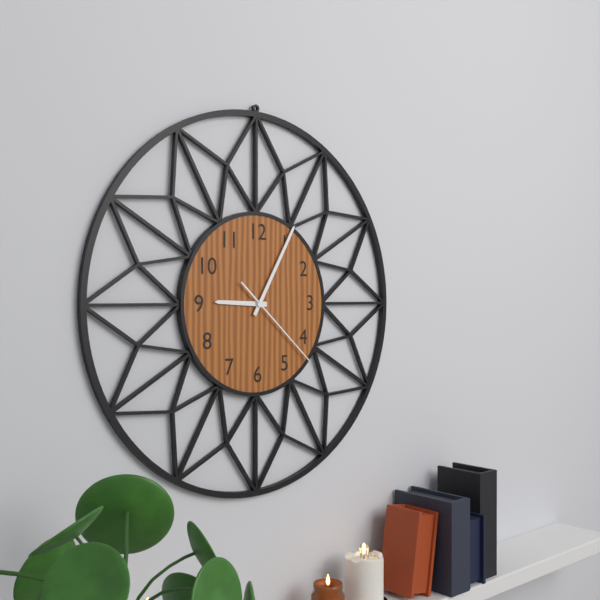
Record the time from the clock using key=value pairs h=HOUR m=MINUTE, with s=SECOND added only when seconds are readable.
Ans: h=9 m=5 s=22
